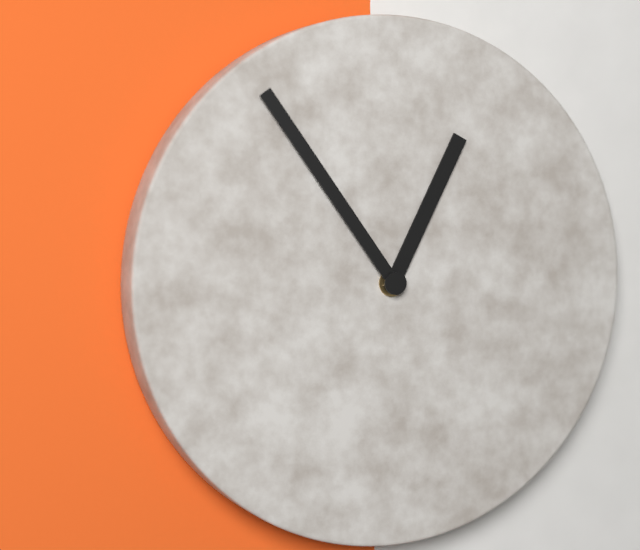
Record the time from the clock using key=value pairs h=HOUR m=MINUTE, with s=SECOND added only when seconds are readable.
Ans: h=12 m=54
